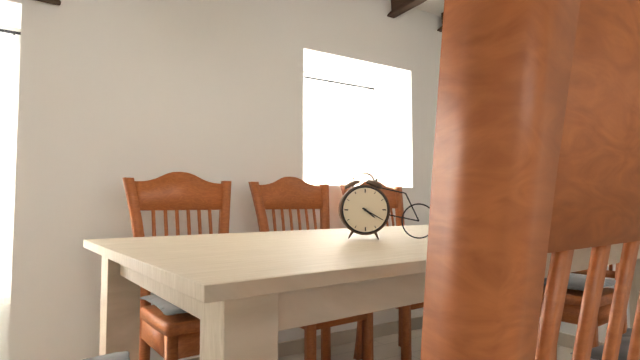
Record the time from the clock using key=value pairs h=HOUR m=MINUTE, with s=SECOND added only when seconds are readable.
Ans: h=4 m=20
